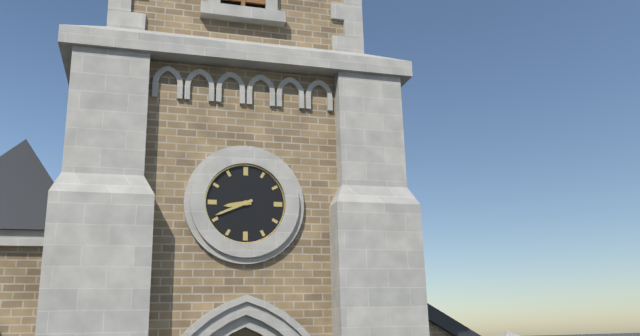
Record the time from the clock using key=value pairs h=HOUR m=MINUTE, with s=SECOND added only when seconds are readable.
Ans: h=8 m=41
